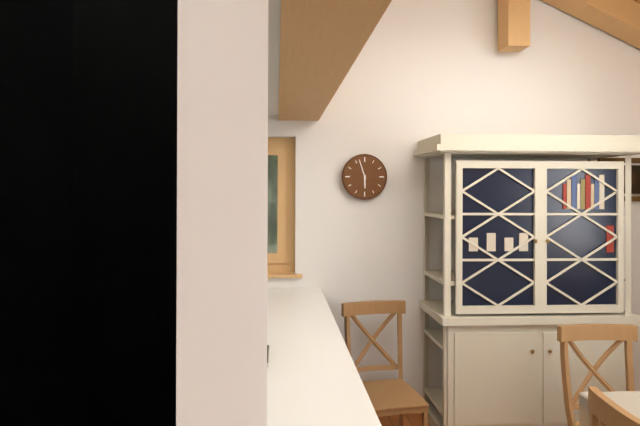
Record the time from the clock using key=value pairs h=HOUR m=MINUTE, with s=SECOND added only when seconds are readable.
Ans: h=5 m=57
